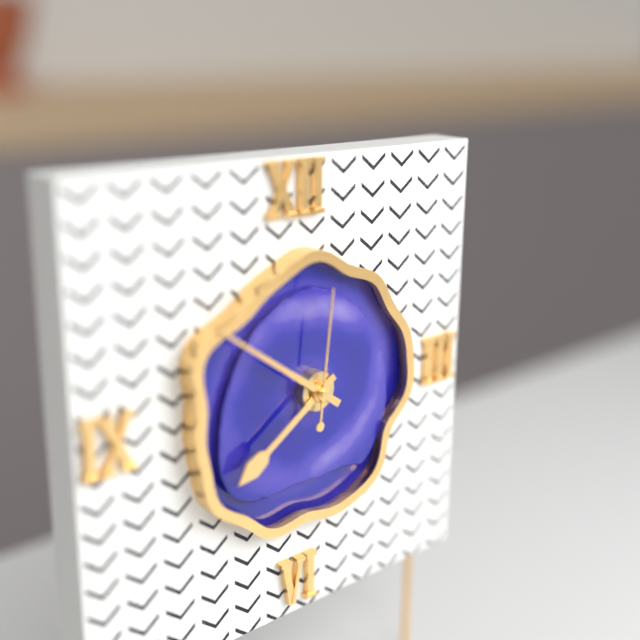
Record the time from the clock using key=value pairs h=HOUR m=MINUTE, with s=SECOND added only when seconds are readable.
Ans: h=7 m=51 s=1
